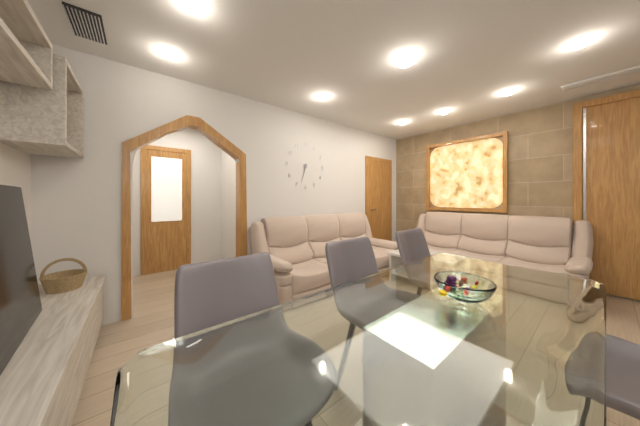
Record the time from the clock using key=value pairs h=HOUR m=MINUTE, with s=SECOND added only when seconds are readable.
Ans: h=6 m=33
